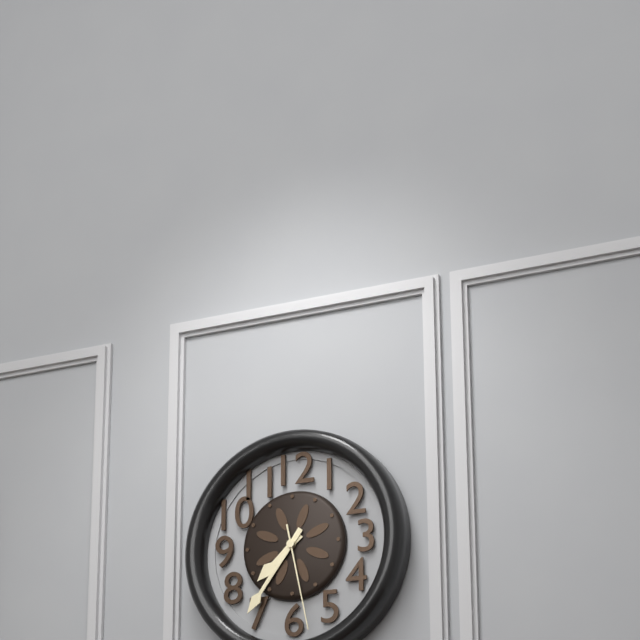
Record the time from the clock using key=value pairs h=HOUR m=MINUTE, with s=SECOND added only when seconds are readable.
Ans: h=7 m=36 s=28
